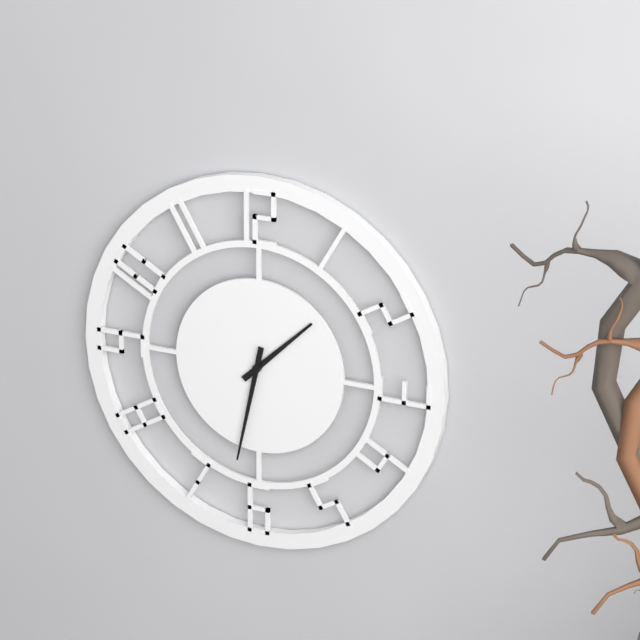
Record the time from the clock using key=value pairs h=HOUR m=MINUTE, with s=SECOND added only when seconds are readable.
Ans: h=1 m=32
